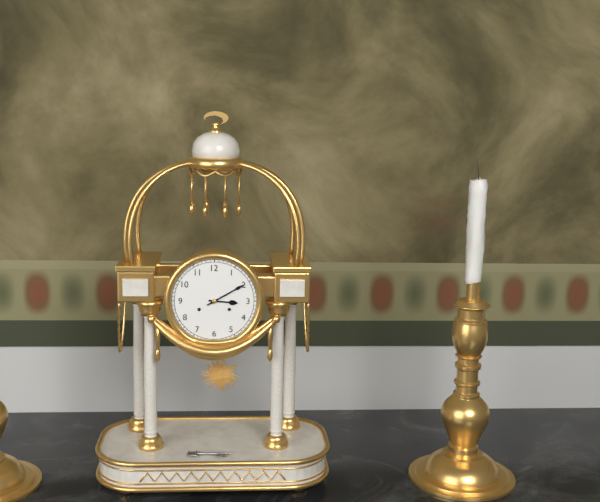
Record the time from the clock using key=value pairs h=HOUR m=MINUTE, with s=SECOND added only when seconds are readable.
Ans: h=3 m=10
